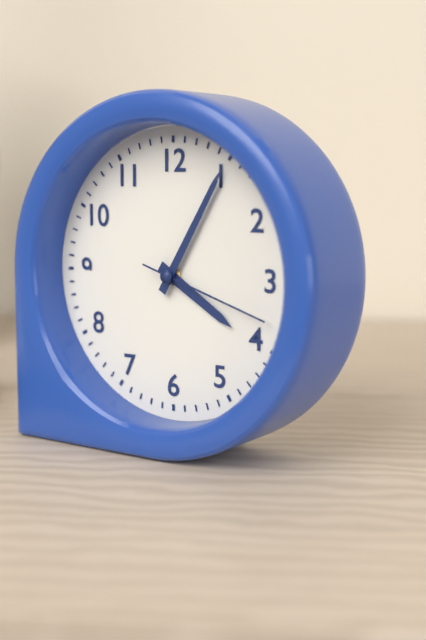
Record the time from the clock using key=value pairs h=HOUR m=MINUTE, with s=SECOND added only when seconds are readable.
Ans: h=4 m=5 s=18
